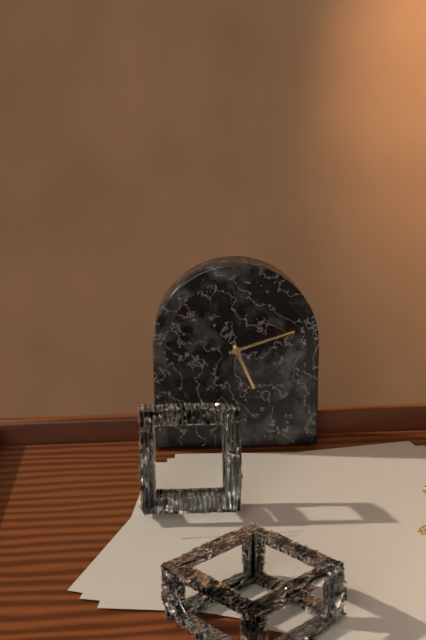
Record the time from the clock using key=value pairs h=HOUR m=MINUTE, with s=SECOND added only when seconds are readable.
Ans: h=5 m=12
